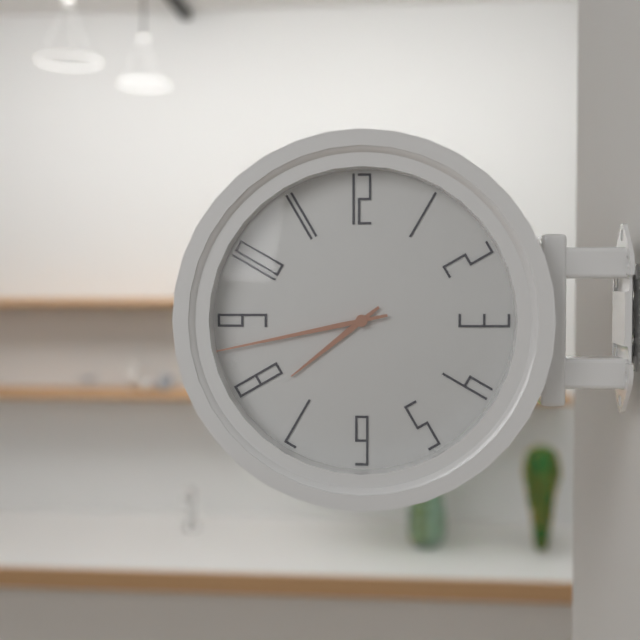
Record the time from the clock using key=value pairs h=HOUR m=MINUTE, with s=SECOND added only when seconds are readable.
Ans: h=7 m=43
